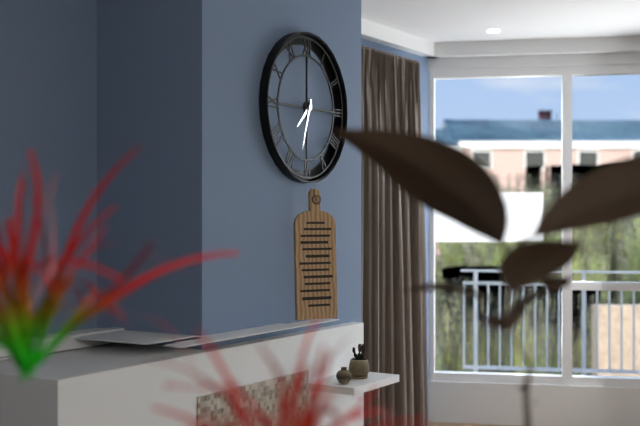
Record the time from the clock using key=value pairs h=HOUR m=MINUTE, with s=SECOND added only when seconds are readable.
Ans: h=7 m=33
